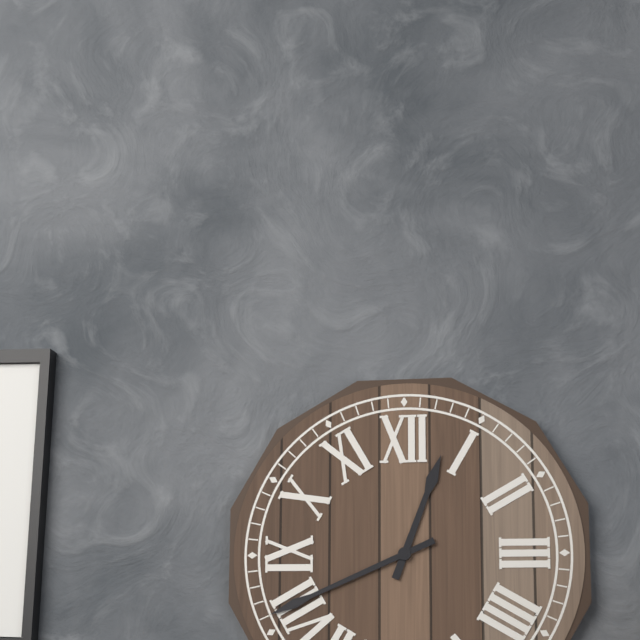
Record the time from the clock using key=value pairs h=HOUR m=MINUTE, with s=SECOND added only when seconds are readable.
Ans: h=12 m=41
